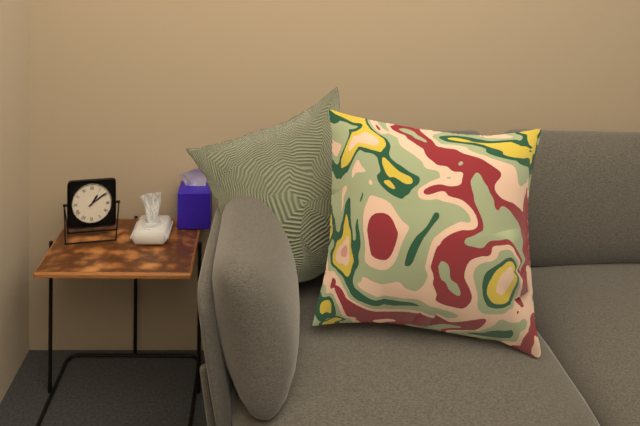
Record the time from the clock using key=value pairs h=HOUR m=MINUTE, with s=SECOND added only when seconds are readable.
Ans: h=1 m=9
